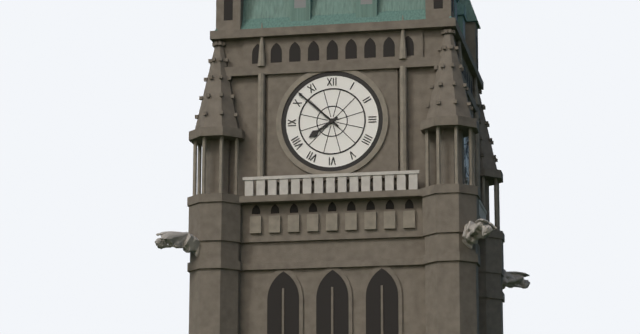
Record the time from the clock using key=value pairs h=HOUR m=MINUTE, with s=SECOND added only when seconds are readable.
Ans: h=7 m=52
